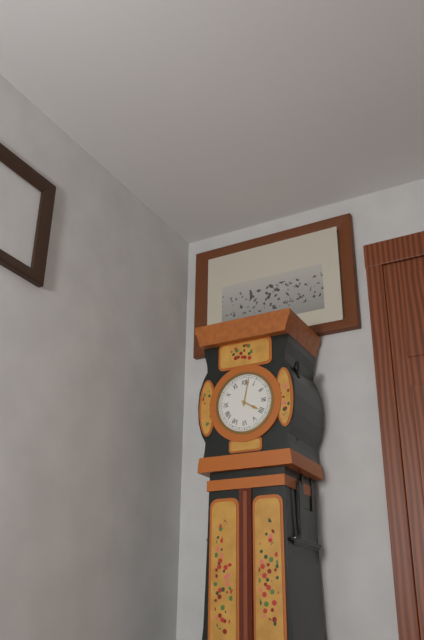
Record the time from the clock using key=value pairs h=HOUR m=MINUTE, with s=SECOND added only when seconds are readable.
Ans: h=4 m=2
